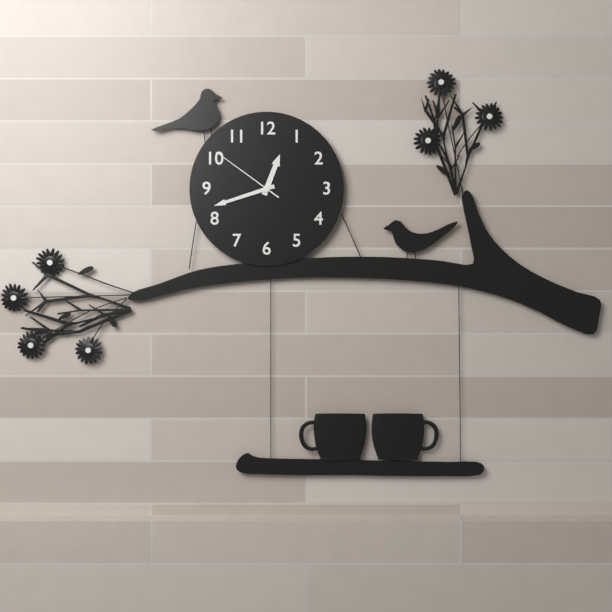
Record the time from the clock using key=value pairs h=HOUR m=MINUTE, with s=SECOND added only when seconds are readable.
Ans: h=12 m=42 s=51
